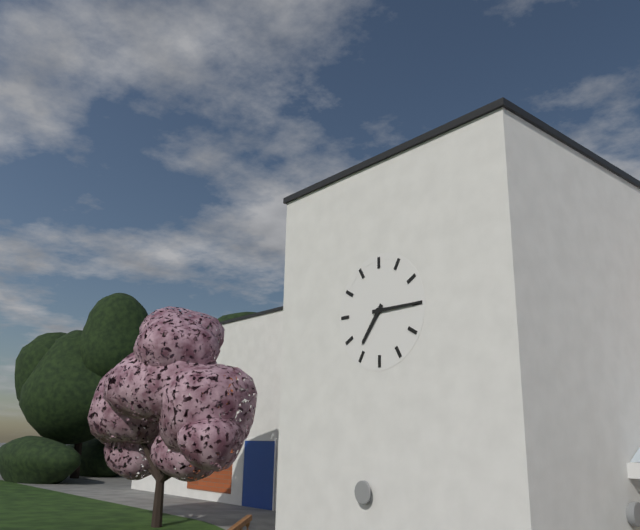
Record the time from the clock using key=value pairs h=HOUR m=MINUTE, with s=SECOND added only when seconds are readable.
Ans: h=7 m=15
